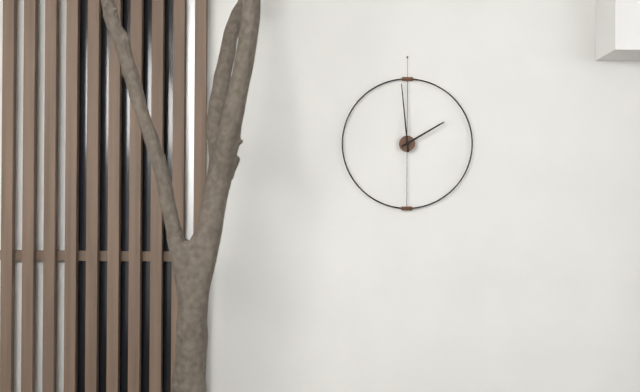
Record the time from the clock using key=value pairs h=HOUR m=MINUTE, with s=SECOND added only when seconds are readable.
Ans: h=1 m=59
